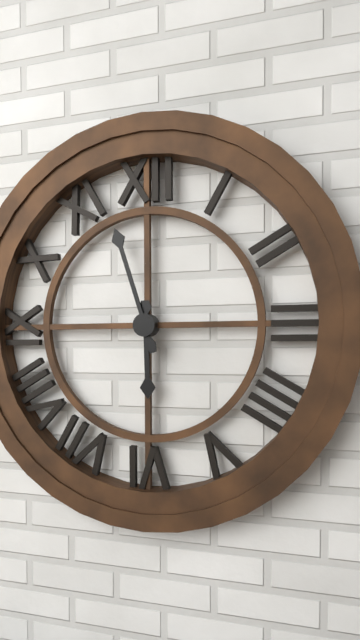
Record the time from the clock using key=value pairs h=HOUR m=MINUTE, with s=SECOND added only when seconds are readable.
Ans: h=5 m=57
